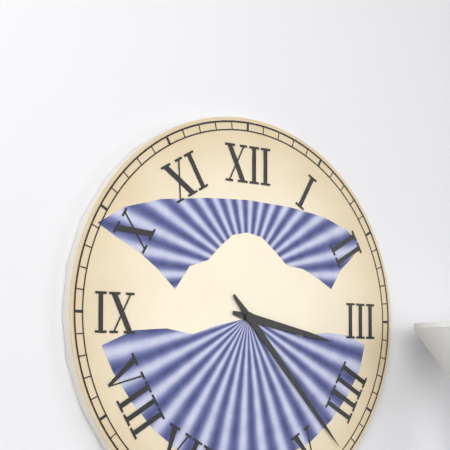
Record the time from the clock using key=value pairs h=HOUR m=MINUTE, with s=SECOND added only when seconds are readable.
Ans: h=3 m=23
